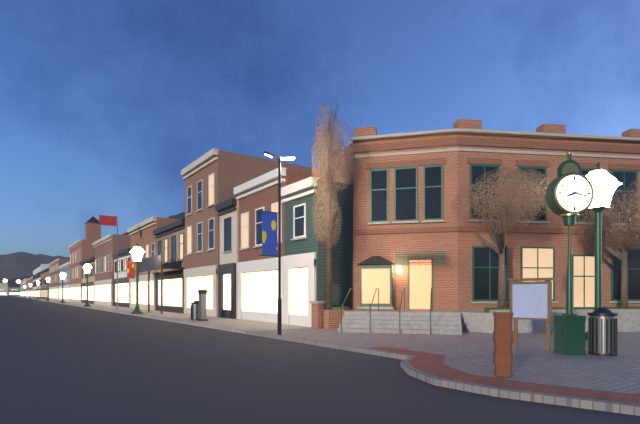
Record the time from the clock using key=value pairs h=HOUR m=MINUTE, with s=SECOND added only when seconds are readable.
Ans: h=8 m=17
